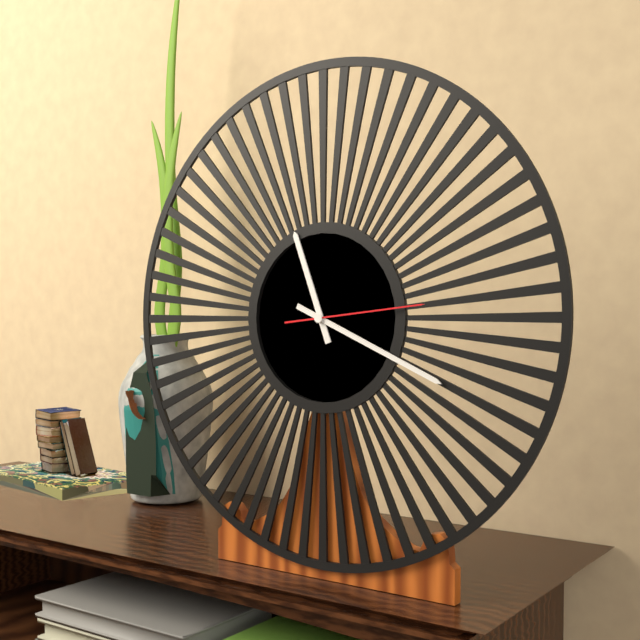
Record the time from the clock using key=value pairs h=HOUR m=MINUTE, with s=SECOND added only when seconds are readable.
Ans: h=11 m=19 s=14
